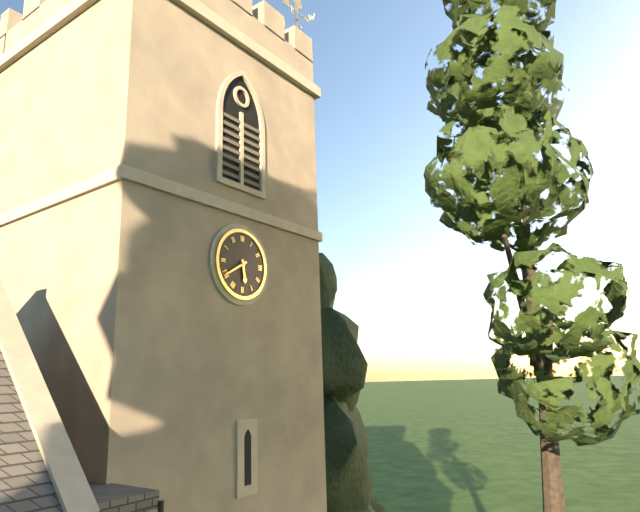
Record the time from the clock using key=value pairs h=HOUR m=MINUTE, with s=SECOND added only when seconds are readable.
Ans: h=5 m=40
